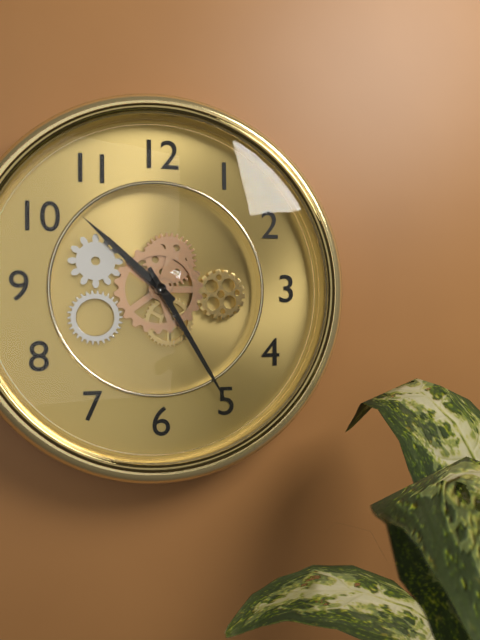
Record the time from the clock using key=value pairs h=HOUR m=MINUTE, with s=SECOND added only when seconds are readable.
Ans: h=10 m=25
